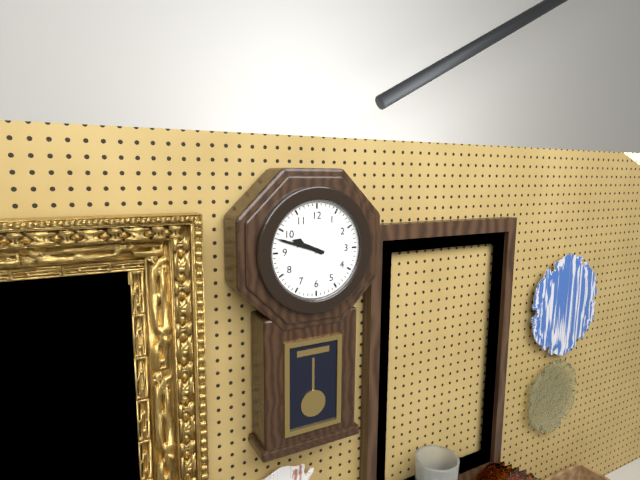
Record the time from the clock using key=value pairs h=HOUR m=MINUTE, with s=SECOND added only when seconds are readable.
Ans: h=9 m=48
